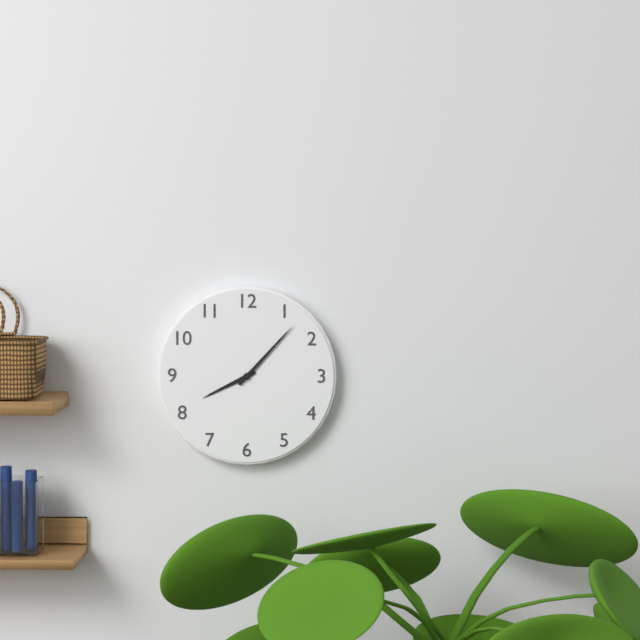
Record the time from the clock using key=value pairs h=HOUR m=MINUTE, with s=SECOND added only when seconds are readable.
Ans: h=8 m=7
